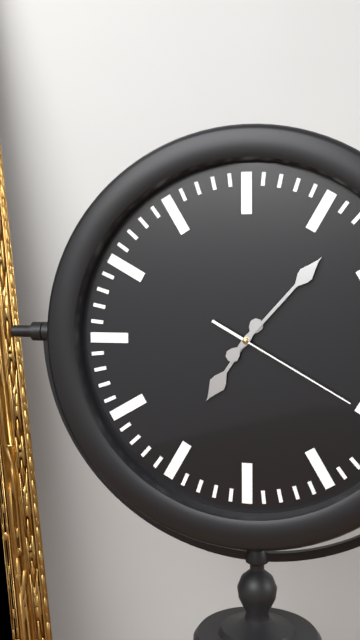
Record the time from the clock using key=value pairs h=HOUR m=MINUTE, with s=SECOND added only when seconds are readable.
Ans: h=7 m=7 s=20
